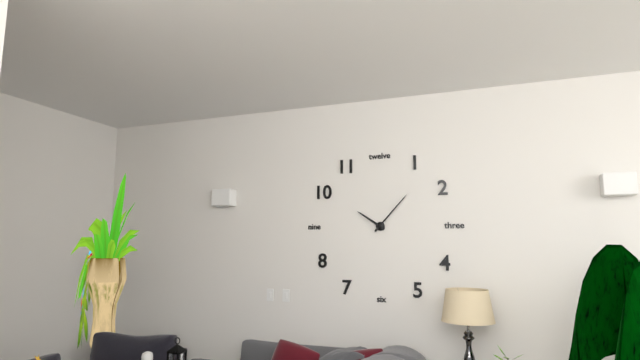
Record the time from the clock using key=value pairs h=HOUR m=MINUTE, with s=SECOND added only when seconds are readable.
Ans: h=10 m=7
